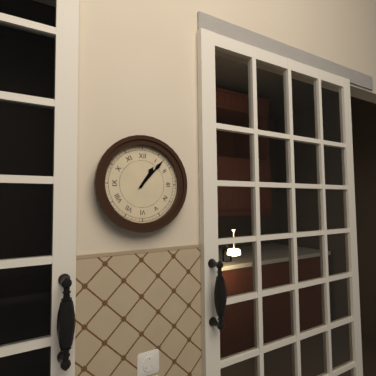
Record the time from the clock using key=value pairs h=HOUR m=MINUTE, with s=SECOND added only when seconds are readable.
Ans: h=1 m=7
